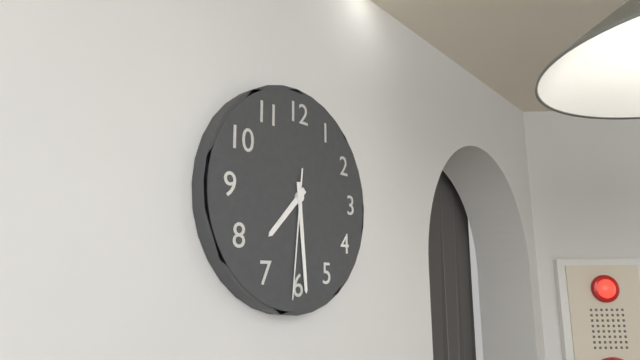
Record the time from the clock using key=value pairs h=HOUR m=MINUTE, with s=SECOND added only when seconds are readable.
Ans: h=7 m=29 s=31
